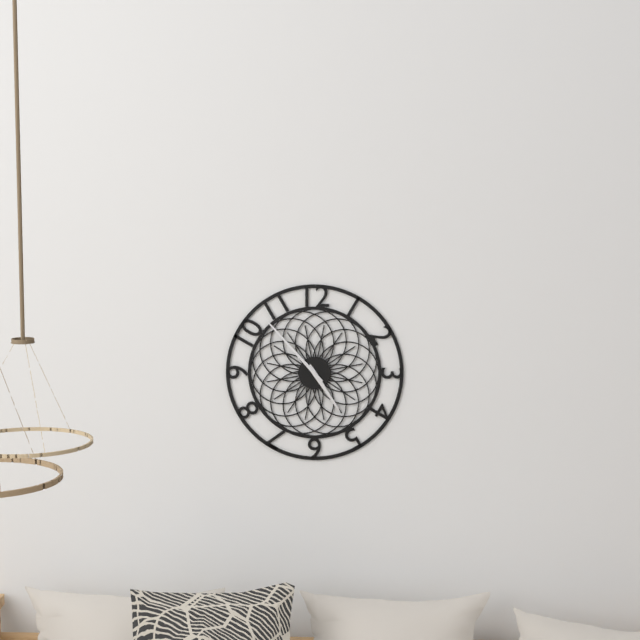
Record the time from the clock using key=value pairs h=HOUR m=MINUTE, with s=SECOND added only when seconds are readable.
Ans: h=4 m=53
